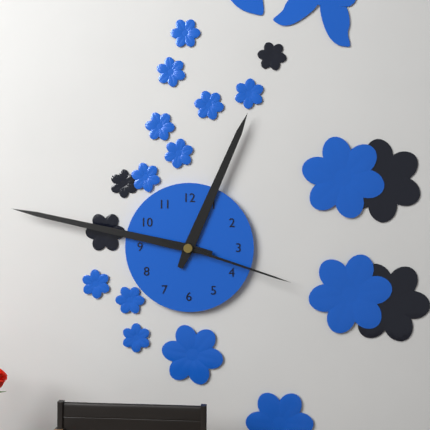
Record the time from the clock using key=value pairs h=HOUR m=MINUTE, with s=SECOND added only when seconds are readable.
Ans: h=12 m=47 s=18
